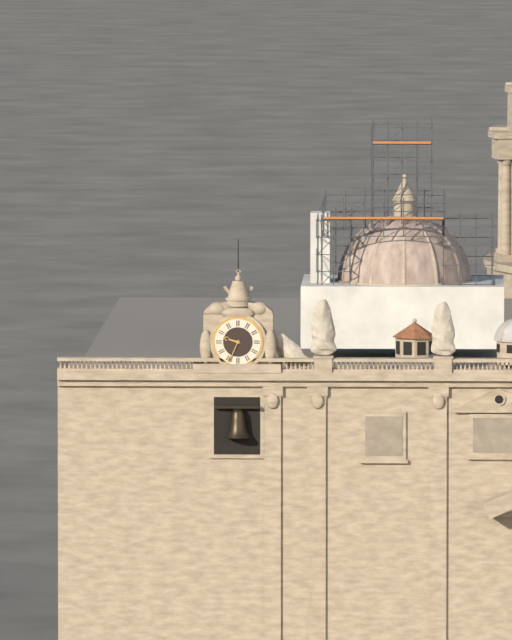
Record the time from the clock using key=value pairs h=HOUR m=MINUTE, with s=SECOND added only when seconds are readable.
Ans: h=9 m=34
